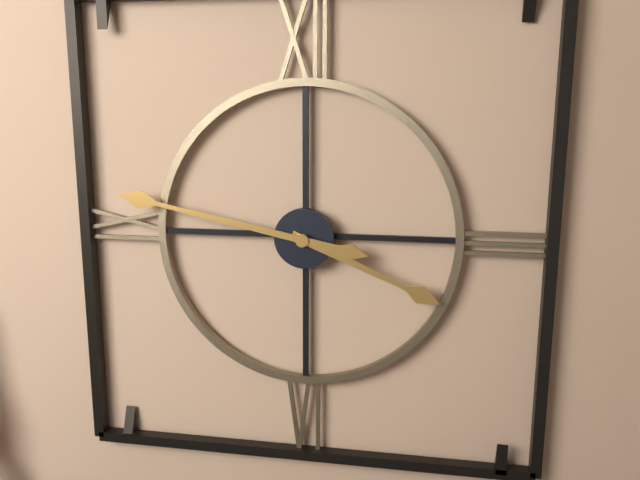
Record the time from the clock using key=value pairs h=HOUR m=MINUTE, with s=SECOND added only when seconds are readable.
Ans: h=3 m=47
